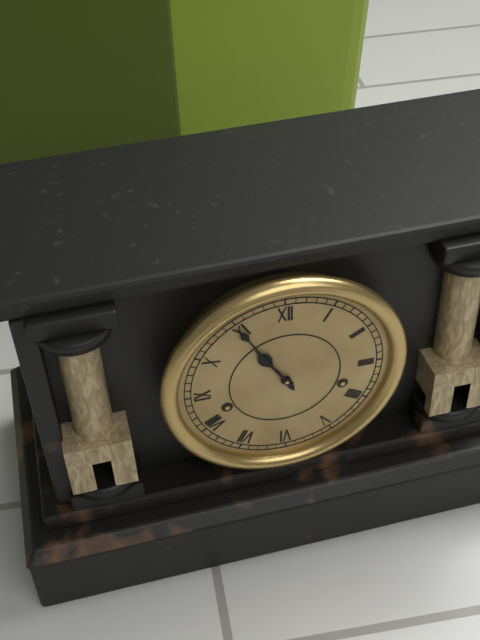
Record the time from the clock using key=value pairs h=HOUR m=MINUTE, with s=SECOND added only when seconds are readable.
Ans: h=10 m=55
